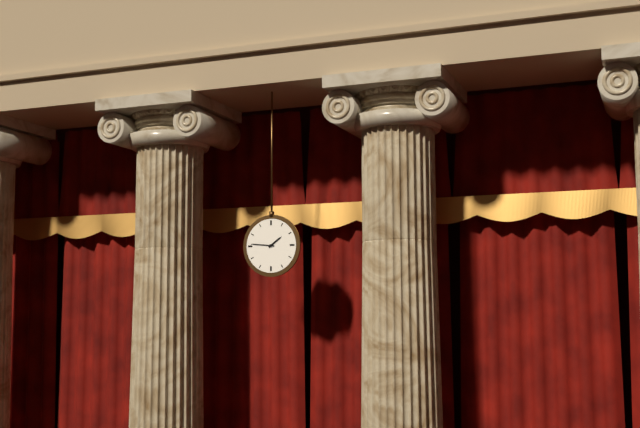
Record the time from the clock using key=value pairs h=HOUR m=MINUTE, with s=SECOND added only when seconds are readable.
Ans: h=1 m=46
